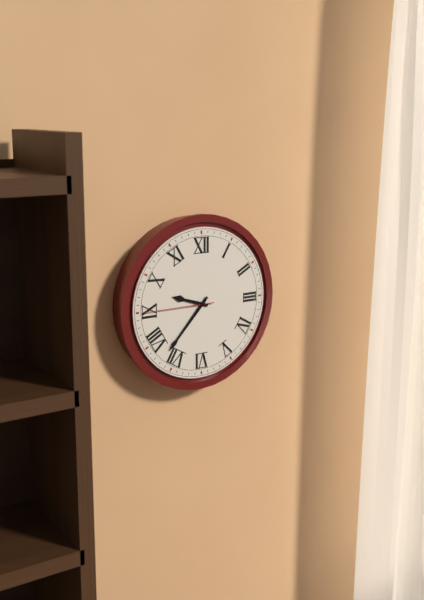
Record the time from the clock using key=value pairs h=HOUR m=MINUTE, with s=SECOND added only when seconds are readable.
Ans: h=9 m=37 s=45
